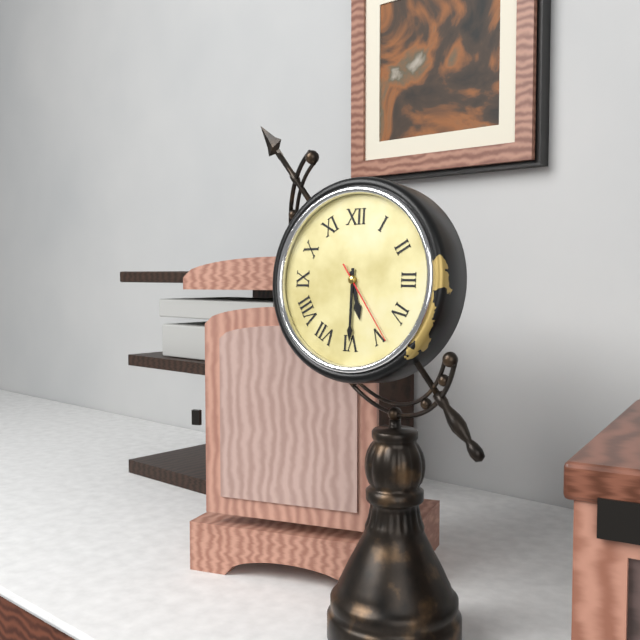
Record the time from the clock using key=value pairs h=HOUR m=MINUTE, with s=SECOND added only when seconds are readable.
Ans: h=5 m=30 s=24
